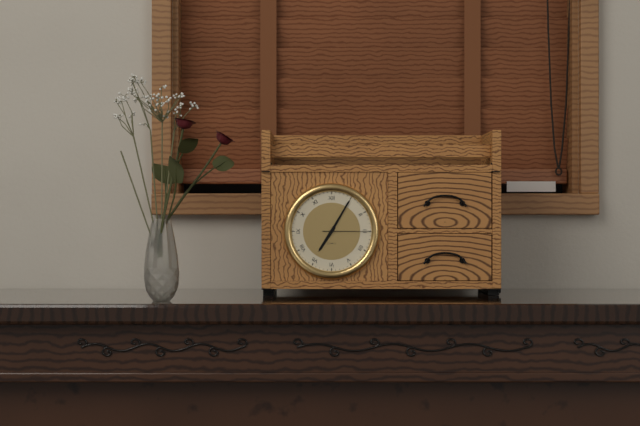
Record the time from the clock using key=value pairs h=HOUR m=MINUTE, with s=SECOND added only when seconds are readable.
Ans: h=7 m=5
